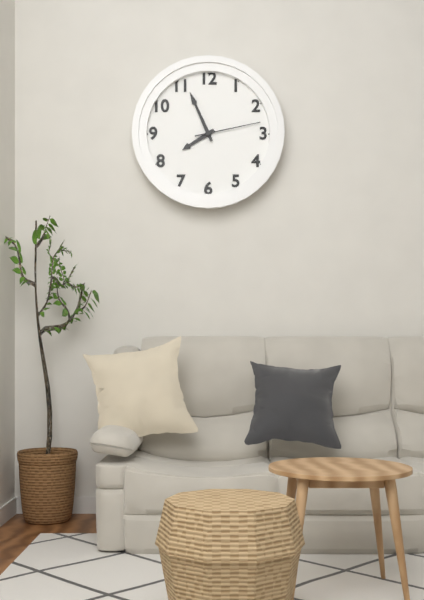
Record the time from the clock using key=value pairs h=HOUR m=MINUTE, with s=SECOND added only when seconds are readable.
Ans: h=7 m=56 s=13
